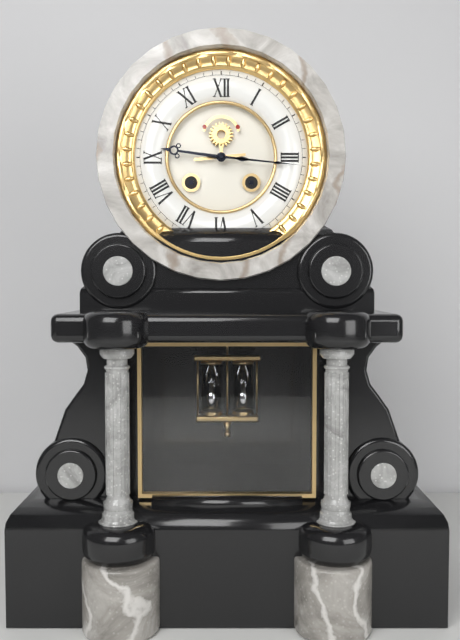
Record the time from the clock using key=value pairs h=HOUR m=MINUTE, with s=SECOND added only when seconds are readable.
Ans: h=9 m=16
